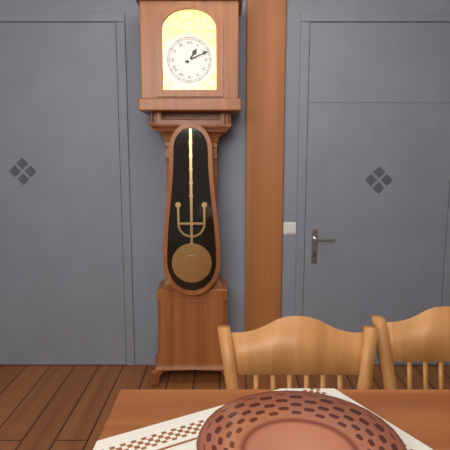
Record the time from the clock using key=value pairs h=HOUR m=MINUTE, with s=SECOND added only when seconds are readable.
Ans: h=1 m=11
